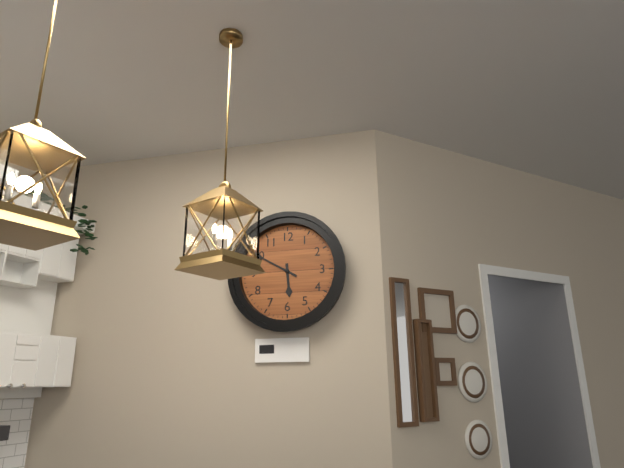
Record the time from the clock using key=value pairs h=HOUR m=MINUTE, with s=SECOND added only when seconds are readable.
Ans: h=5 m=50
